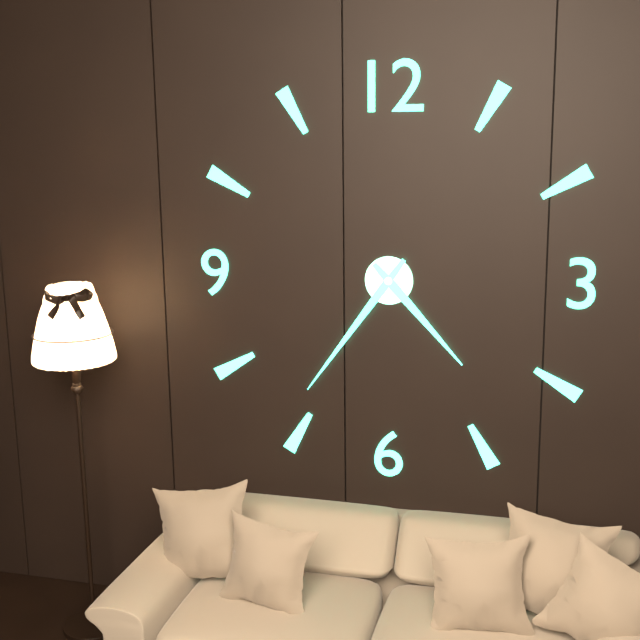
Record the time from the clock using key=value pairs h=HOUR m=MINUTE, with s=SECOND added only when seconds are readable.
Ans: h=4 m=36
